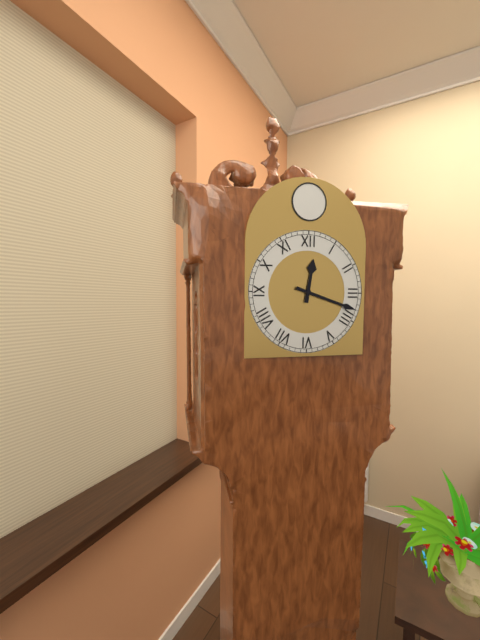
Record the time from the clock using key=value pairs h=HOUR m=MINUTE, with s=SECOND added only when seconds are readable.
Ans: h=12 m=18
